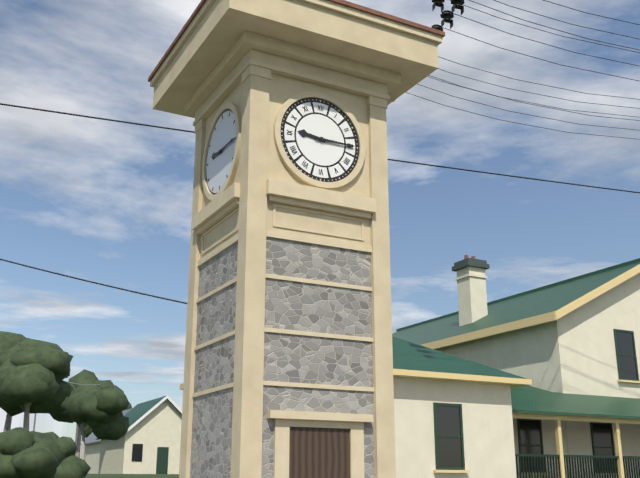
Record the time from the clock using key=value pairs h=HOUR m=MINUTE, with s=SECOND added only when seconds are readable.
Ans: h=9 m=15
